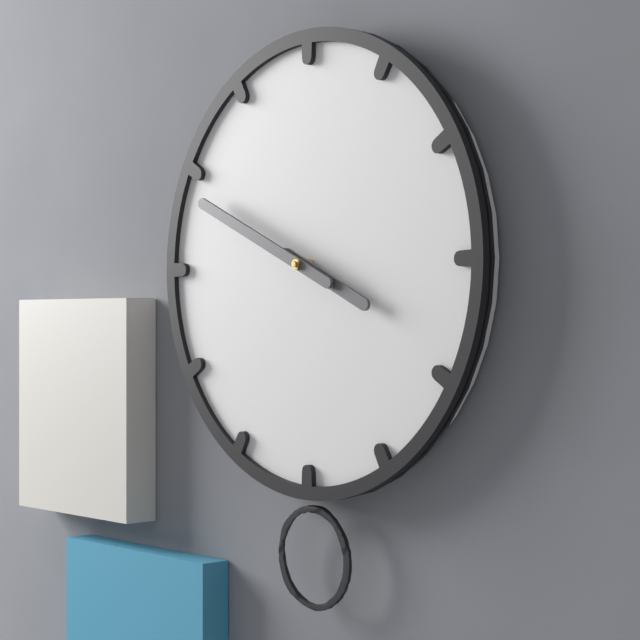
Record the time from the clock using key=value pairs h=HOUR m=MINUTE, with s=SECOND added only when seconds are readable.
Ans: h=3 m=49
